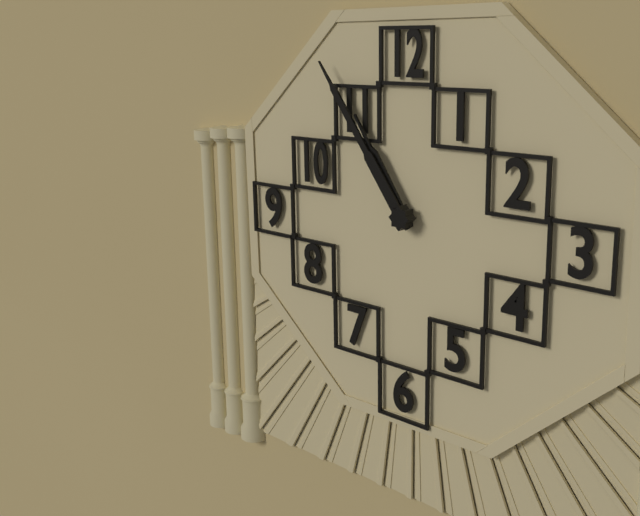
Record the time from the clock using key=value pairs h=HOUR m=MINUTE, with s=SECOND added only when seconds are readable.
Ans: h=10 m=54
